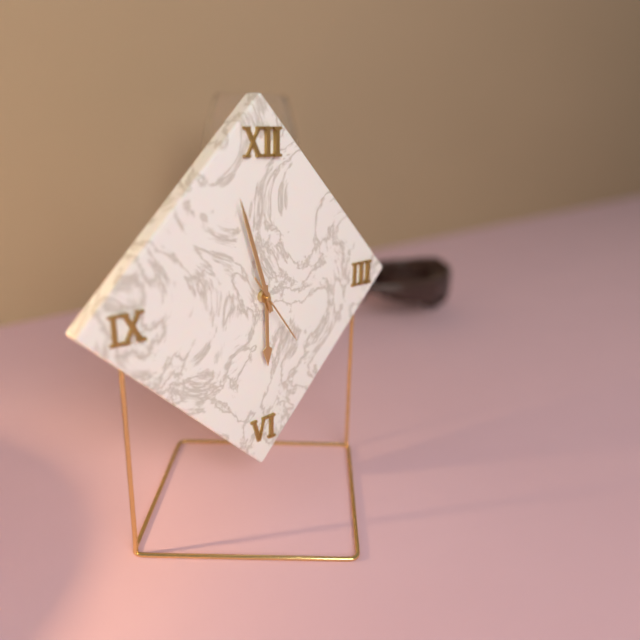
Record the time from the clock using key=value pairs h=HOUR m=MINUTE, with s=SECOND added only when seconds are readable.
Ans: h=5 m=57 s=24
